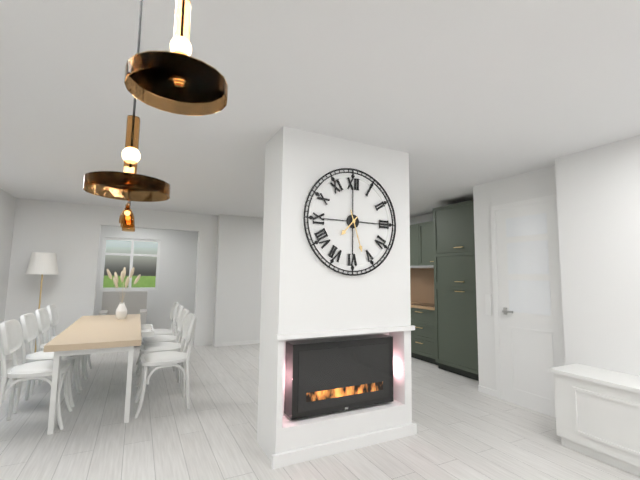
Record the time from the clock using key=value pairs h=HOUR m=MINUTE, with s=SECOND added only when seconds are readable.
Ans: h=7 m=27
